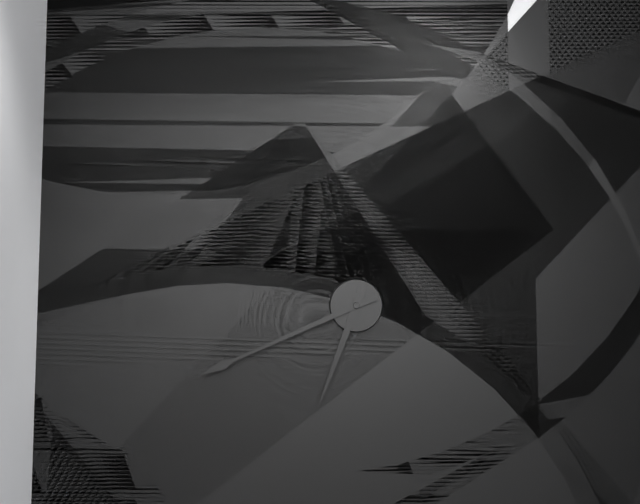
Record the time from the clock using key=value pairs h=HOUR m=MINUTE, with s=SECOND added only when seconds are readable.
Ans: h=6 m=41
